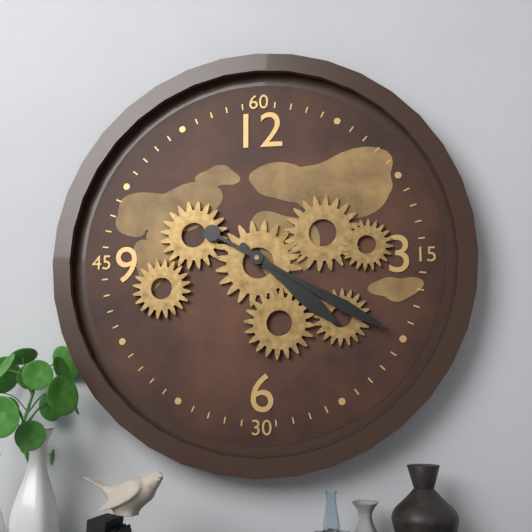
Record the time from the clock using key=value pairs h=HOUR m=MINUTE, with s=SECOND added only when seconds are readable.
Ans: h=4 m=20
